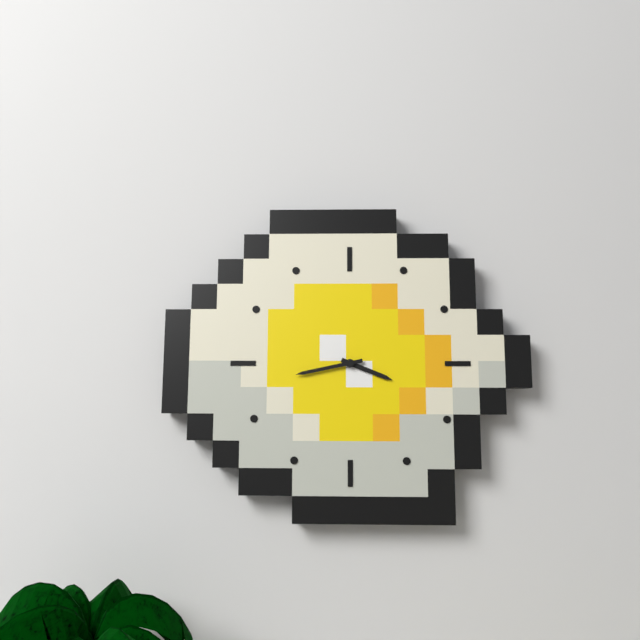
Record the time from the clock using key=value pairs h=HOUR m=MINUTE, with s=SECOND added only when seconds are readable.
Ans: h=3 m=43
